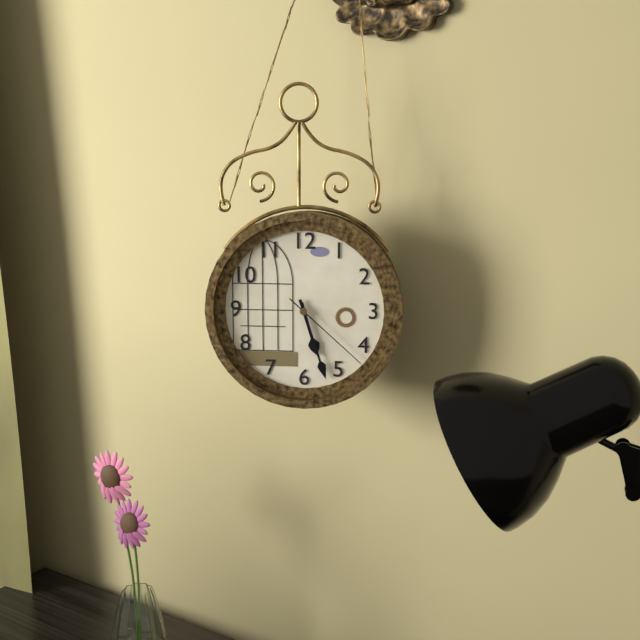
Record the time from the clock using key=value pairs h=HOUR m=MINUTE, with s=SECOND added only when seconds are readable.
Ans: h=5 m=27 s=22
